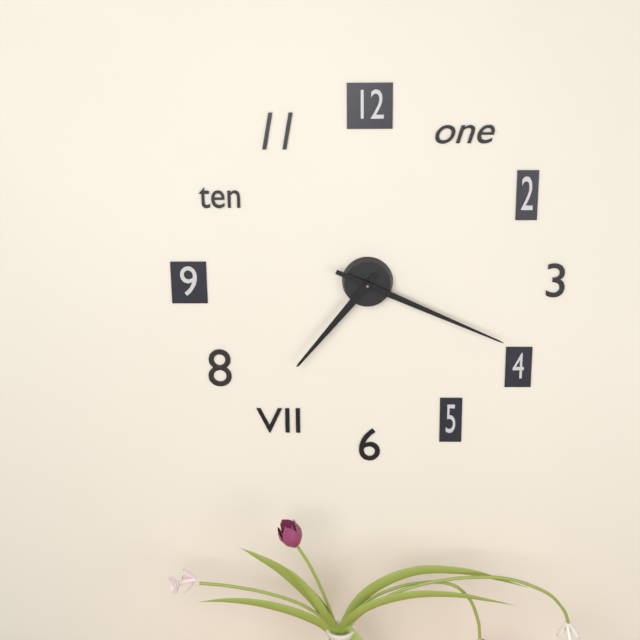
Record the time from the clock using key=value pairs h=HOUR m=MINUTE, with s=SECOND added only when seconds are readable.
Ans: h=7 m=19
